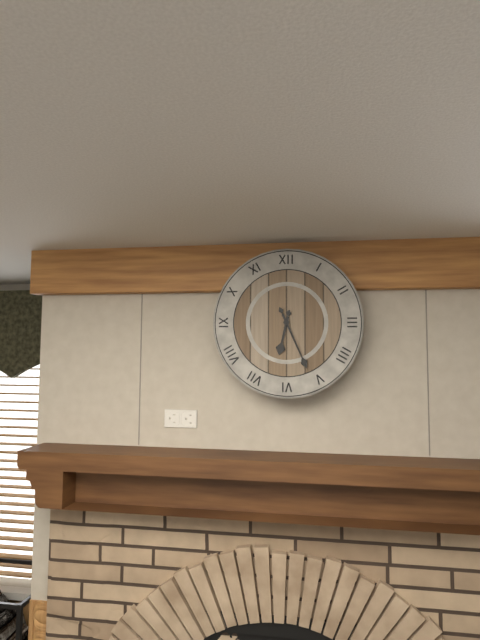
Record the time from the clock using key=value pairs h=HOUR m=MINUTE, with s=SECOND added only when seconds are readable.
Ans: h=6 m=26
